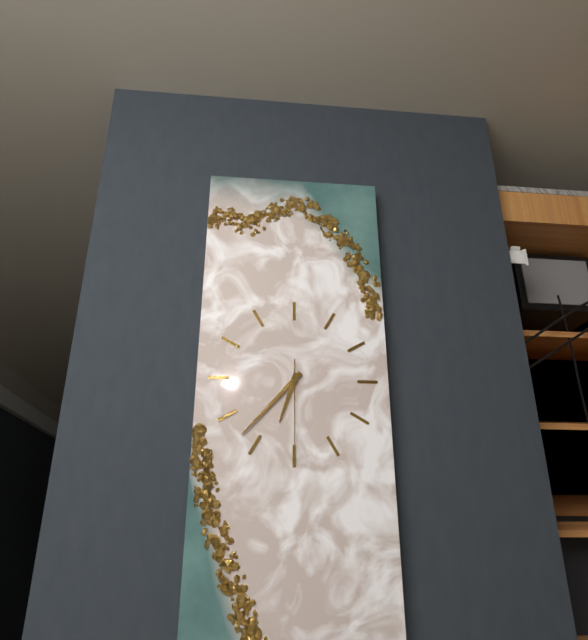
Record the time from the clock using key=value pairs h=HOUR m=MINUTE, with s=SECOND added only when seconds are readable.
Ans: h=6 m=37 s=30
